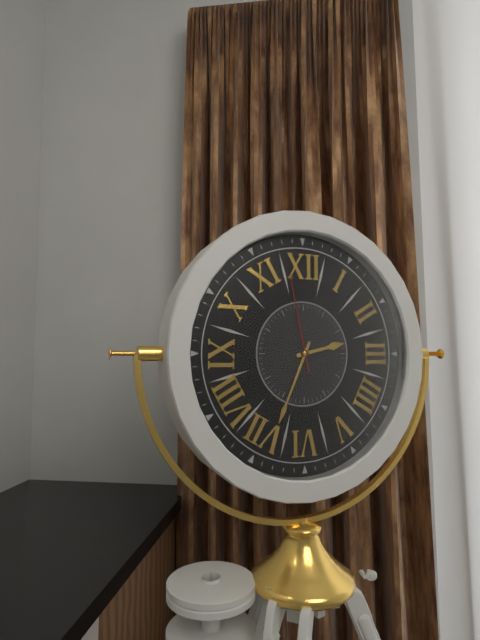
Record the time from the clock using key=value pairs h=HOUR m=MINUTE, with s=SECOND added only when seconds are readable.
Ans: h=2 m=34 s=58
